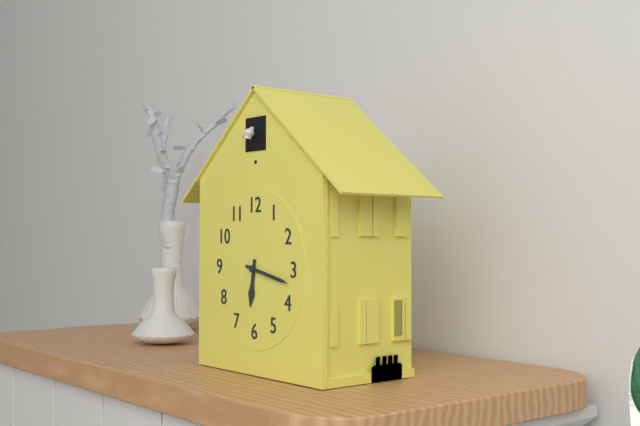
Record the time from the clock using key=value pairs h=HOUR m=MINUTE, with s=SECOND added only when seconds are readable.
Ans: h=6 m=17
